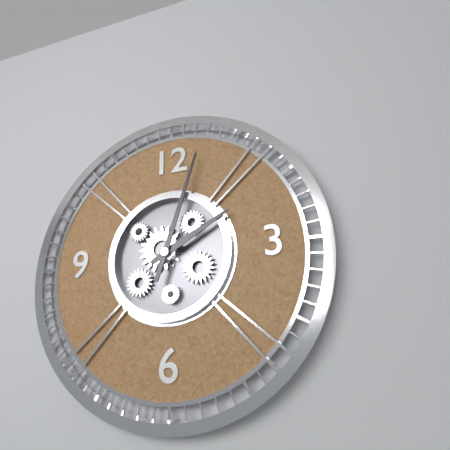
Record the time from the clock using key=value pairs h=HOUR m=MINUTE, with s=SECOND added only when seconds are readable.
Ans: h=2 m=3
